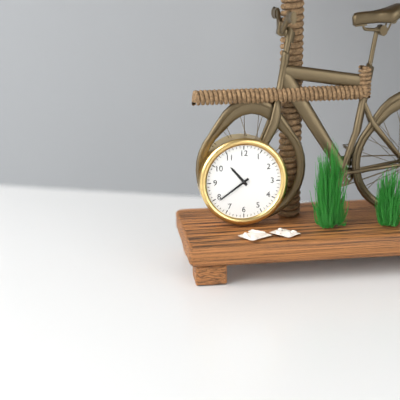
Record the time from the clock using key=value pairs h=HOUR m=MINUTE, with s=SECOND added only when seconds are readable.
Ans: h=10 m=39
